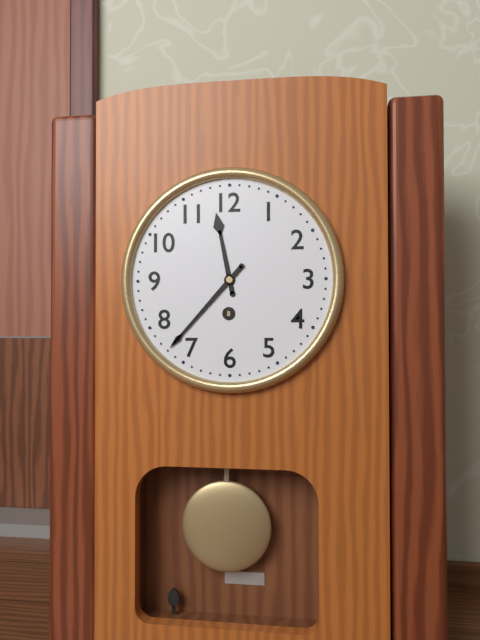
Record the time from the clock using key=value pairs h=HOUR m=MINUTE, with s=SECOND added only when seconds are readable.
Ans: h=11 m=37
